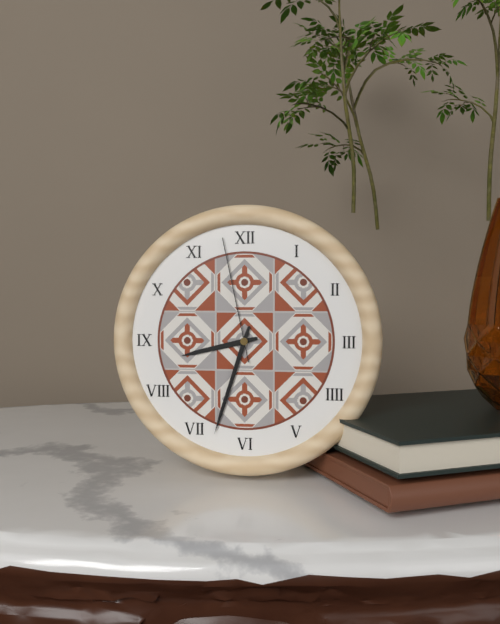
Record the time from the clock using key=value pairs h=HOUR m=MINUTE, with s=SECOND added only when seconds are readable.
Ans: h=8 m=33 s=58
